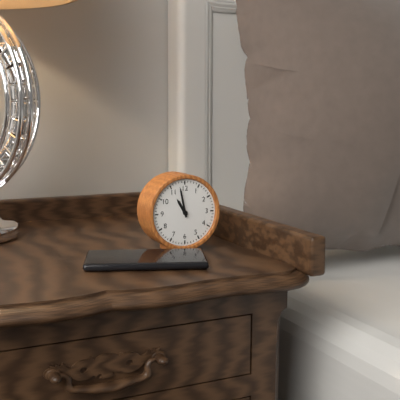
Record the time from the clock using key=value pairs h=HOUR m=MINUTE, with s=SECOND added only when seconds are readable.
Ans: h=10 m=58
